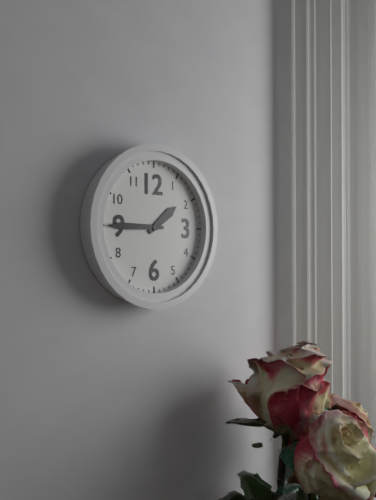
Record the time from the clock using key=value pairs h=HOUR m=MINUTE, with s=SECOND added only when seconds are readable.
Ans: h=1 m=45
